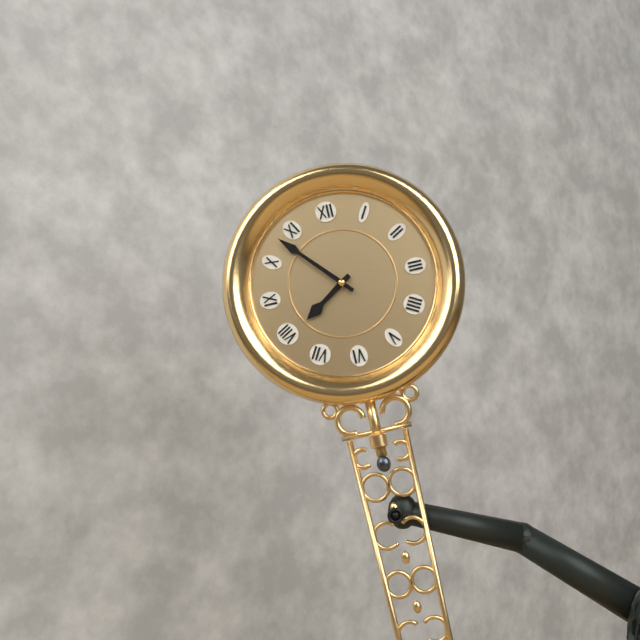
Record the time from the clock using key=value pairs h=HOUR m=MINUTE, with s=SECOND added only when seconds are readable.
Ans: h=7 m=53
